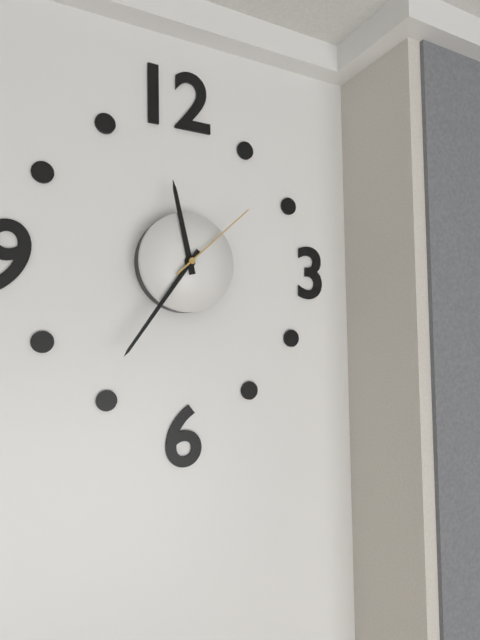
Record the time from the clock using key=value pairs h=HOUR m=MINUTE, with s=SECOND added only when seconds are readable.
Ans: h=11 m=36 s=8
